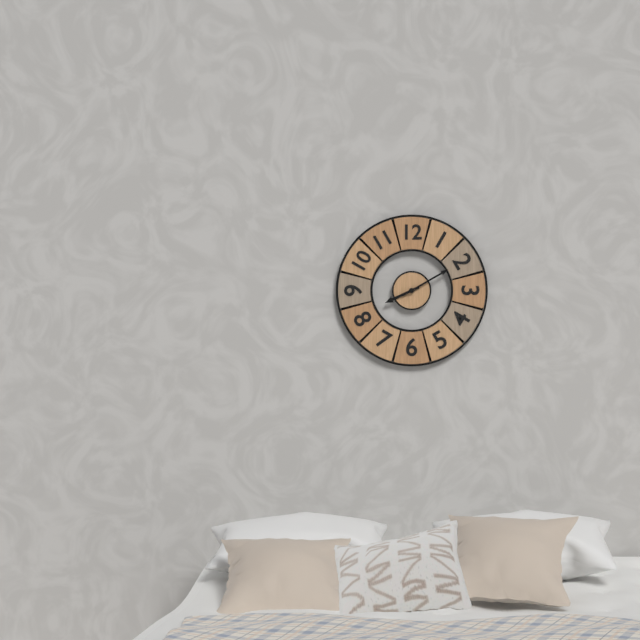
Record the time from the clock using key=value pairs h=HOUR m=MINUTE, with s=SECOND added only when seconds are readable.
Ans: h=8 m=10
